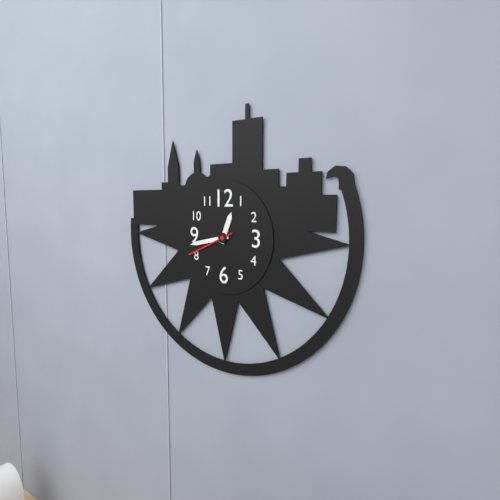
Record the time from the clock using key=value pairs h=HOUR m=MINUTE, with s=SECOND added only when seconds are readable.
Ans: h=12 m=43
